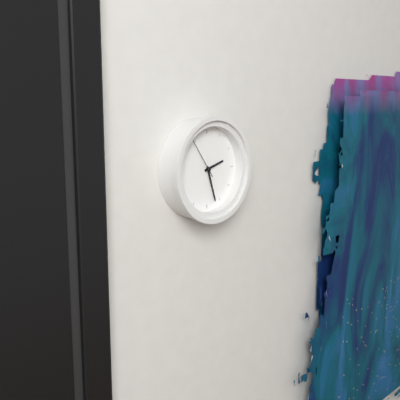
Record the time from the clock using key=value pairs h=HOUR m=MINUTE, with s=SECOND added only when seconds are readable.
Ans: h=2 m=27
